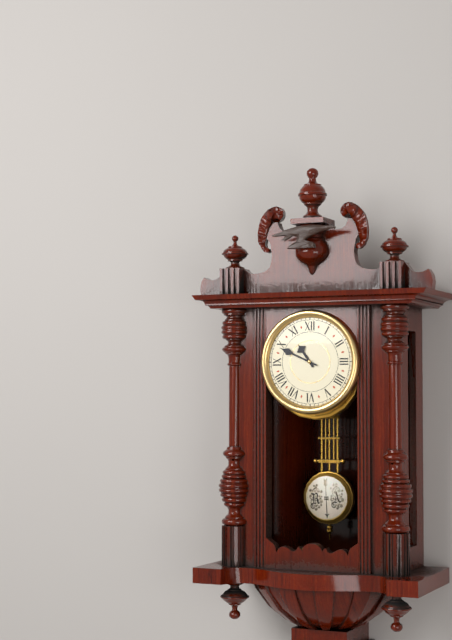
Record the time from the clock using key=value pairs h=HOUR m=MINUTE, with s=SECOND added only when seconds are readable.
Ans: h=10 m=49
